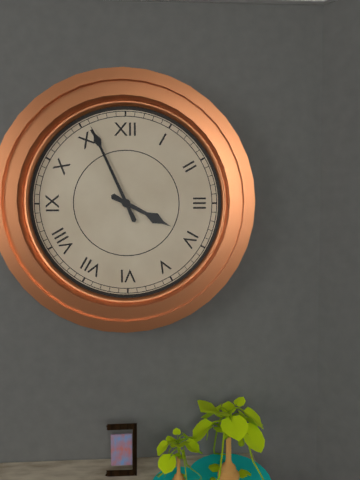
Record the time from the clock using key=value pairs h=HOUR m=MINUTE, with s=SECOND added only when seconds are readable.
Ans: h=3 m=56
